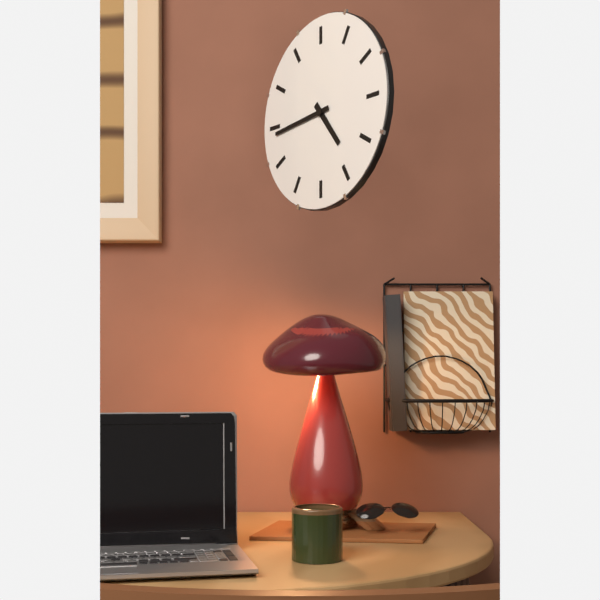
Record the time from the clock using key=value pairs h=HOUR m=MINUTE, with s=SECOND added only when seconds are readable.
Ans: h=4 m=44
